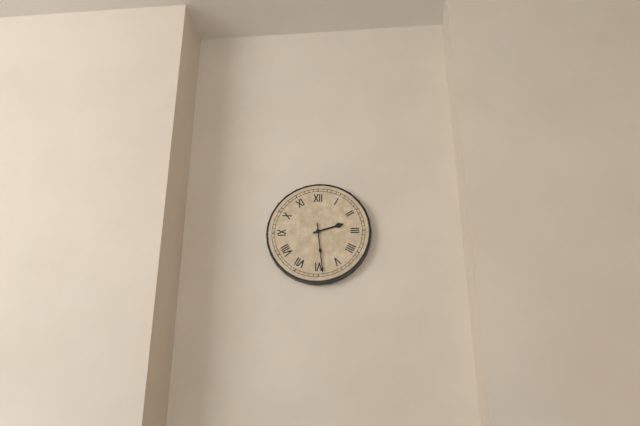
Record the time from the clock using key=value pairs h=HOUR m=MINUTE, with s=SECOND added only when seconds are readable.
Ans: h=2 m=29
